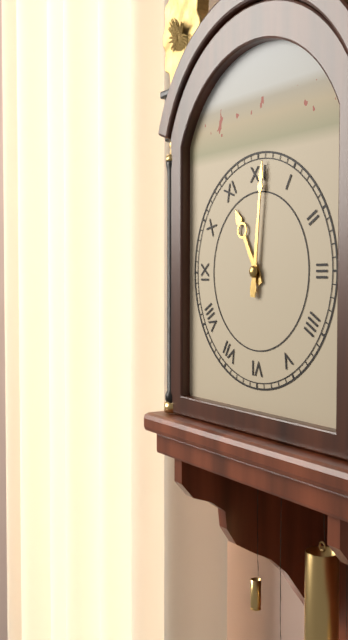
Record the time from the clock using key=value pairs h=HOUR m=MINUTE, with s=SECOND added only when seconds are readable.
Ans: h=11 m=1
